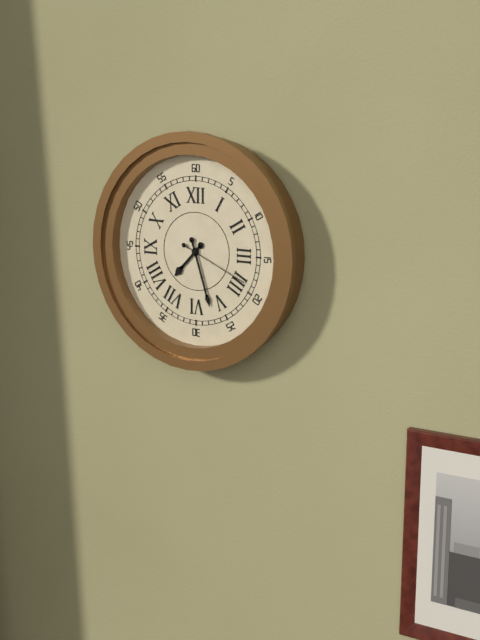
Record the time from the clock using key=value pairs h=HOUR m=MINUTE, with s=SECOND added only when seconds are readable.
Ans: h=7 m=27 s=19
